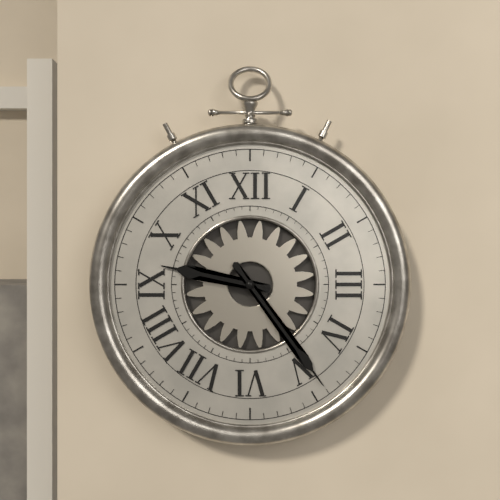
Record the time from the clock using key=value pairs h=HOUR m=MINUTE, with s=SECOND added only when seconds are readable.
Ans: h=9 m=24
